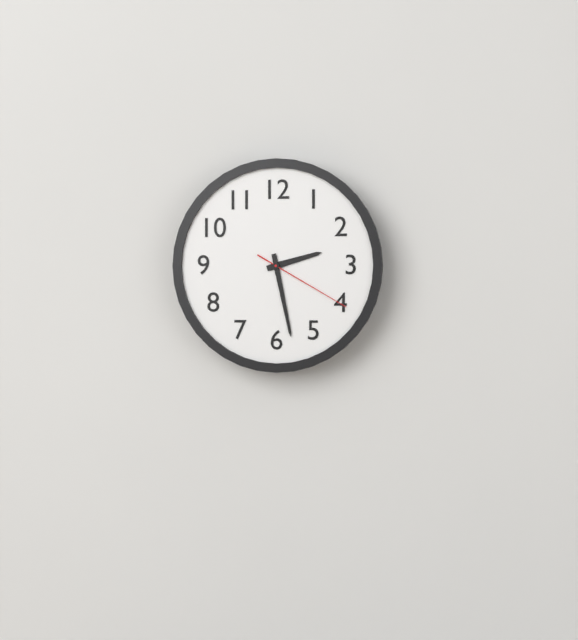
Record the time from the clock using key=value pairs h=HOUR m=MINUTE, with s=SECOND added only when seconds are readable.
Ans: h=2 m=28 s=20
